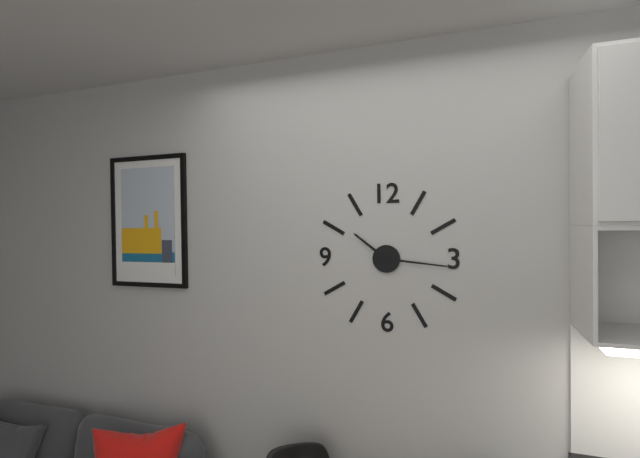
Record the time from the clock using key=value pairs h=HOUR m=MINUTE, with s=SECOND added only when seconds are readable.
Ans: h=10 m=16
